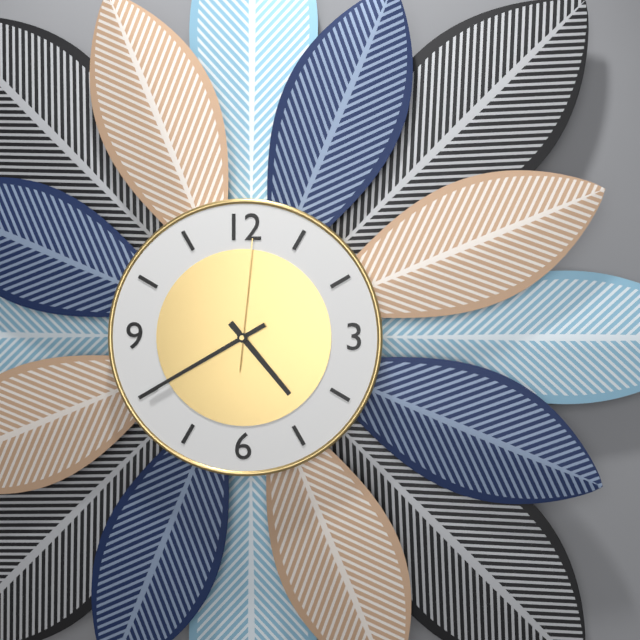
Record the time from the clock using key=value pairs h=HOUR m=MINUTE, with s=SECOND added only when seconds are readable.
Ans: h=4 m=40 s=1
